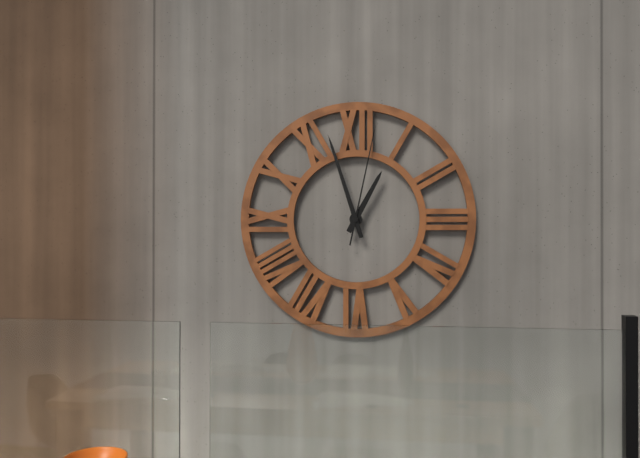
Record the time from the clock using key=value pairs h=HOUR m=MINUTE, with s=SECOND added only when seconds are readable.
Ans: h=12 m=57 s=2
